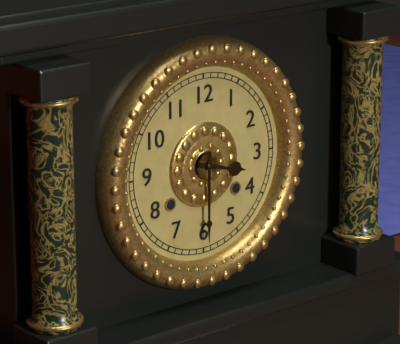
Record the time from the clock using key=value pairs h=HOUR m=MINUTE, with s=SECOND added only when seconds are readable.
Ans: h=3 m=30
